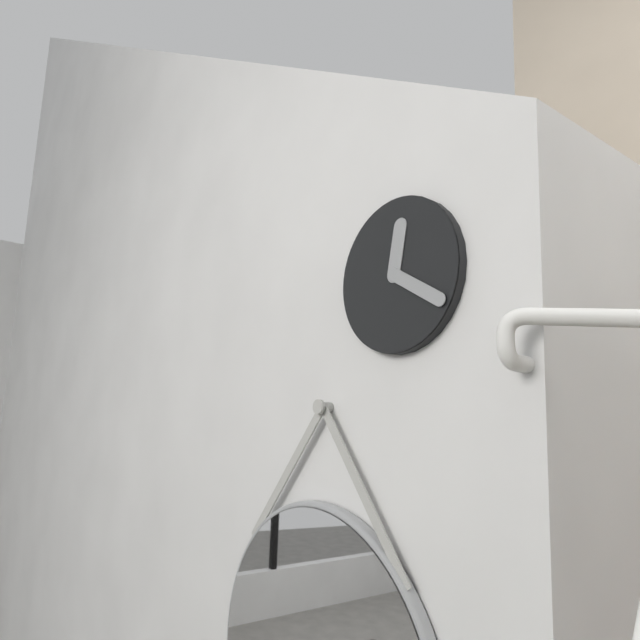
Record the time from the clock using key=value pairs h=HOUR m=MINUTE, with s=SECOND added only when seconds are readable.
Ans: h=12 m=20
